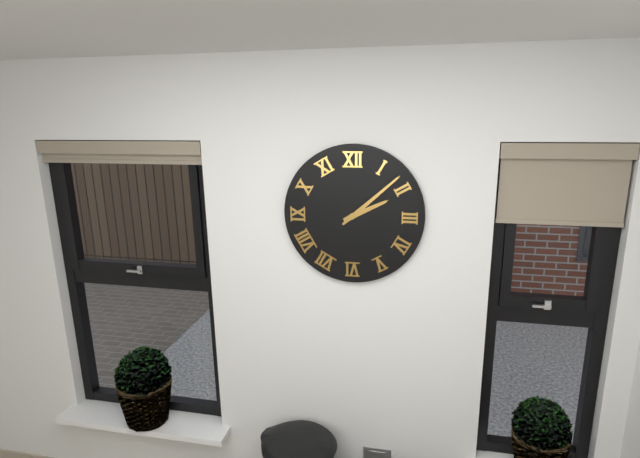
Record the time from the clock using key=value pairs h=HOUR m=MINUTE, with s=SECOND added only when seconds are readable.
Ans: h=2 m=8
